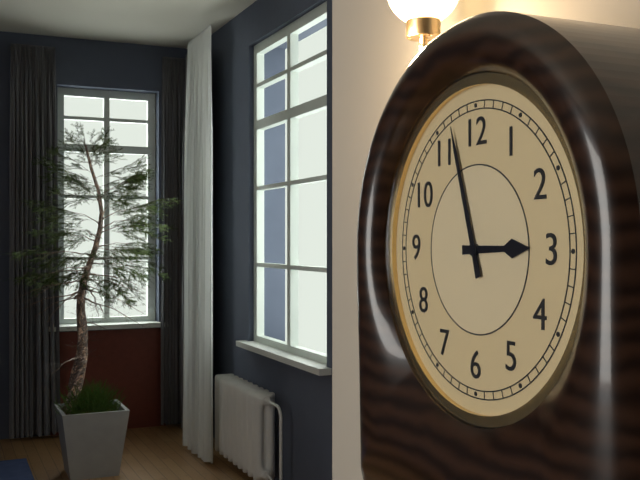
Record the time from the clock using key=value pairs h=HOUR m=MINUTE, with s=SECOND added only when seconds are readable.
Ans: h=2 m=57
